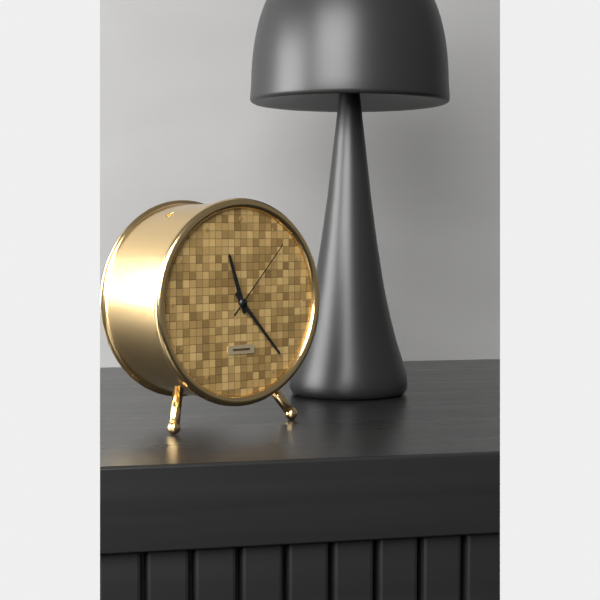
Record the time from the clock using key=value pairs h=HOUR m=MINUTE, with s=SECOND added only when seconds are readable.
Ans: h=11 m=23 s=7
